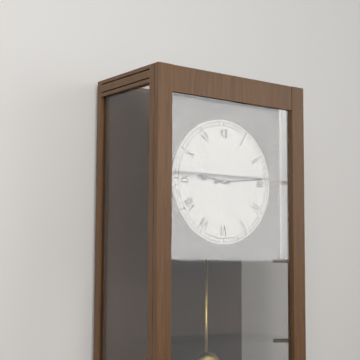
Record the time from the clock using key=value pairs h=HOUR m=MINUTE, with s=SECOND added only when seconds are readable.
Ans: h=9 m=14
